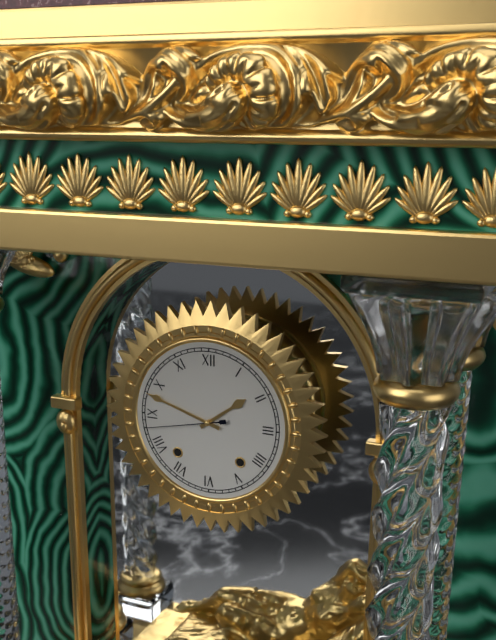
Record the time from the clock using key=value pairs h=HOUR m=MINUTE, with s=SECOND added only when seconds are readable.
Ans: h=1 m=48 s=43
